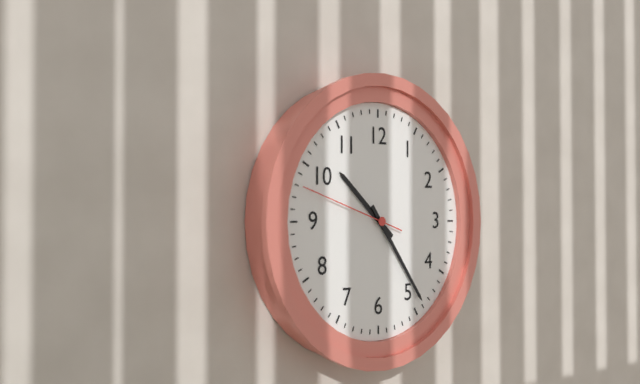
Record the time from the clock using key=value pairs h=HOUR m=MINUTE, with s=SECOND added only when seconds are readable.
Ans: h=10 m=24 s=48
